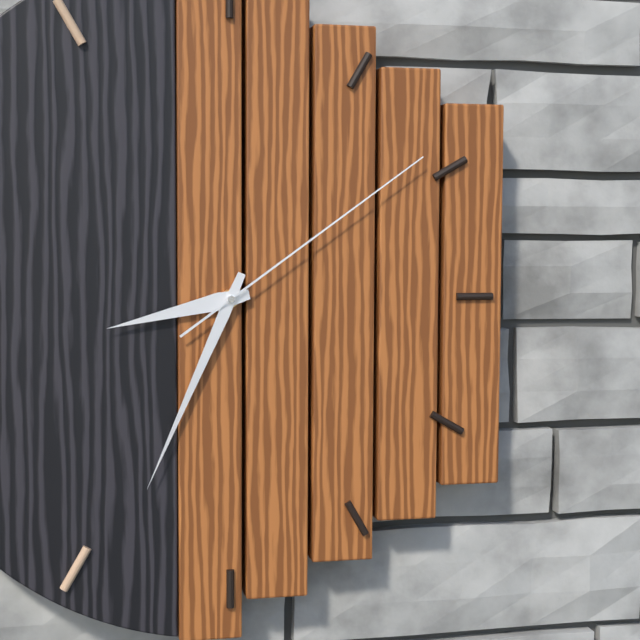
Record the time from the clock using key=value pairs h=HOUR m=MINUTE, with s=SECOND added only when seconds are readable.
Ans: h=8 m=34 s=9
